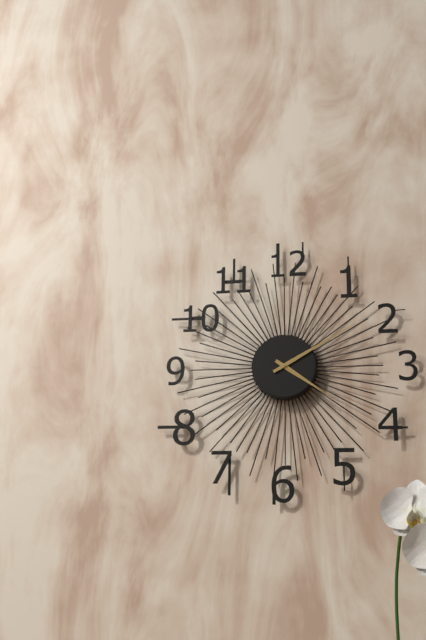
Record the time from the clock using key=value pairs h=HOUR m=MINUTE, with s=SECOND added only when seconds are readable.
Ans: h=4 m=10
